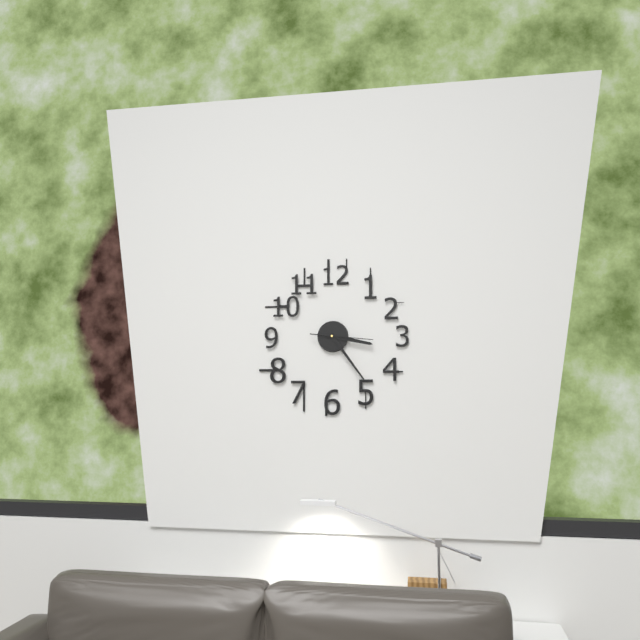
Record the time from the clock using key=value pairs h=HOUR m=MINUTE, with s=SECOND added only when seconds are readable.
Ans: h=3 m=24 s=16
